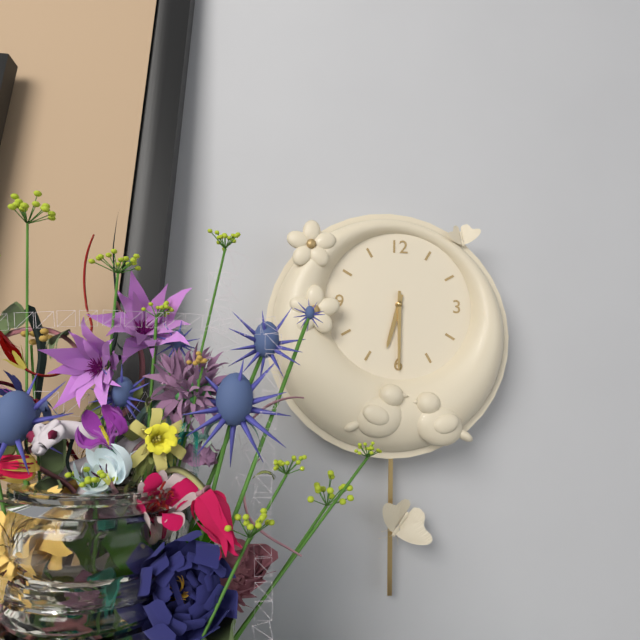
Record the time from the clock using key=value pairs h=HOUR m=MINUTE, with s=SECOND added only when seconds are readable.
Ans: h=6 m=30
